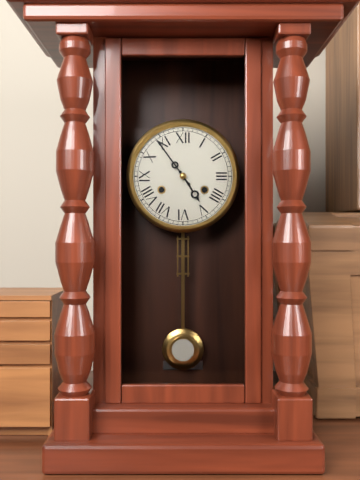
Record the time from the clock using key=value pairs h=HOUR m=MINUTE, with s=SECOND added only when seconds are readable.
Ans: h=4 m=54
